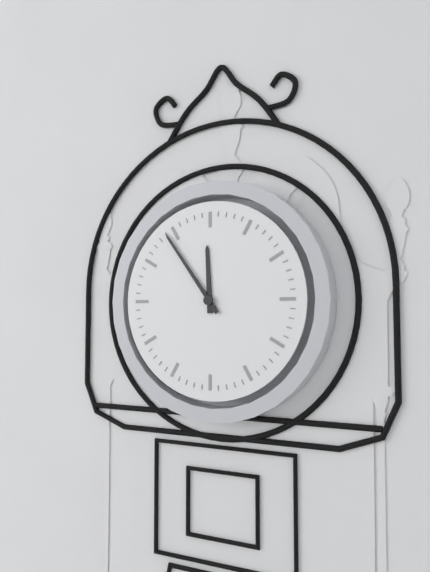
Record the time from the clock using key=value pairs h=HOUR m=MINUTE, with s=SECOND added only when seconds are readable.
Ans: h=11 m=54
